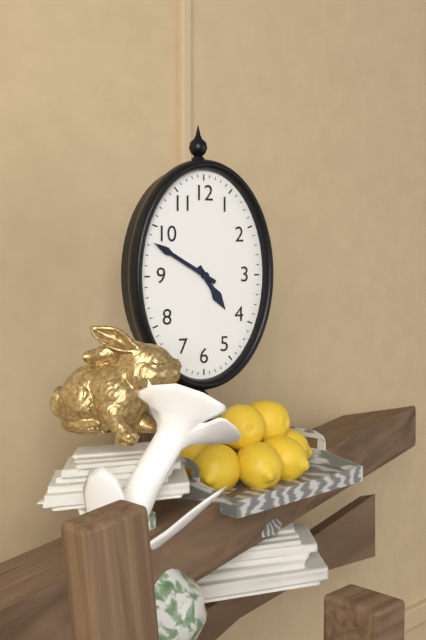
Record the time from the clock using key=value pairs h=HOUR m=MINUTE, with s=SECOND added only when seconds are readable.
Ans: h=4 m=50
